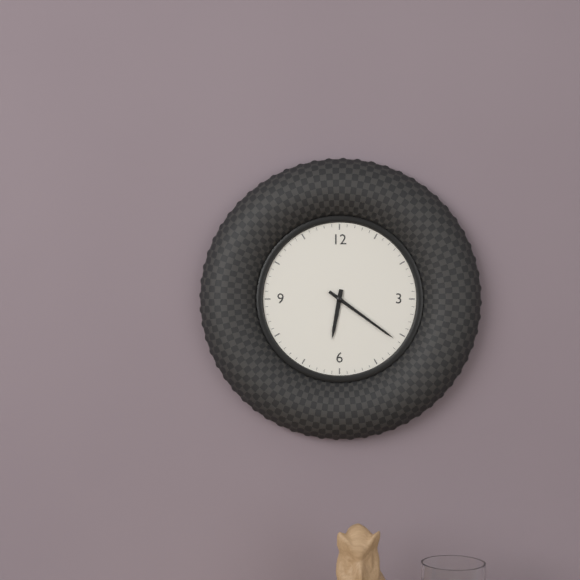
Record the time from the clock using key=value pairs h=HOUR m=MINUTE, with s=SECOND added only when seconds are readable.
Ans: h=6 m=21
